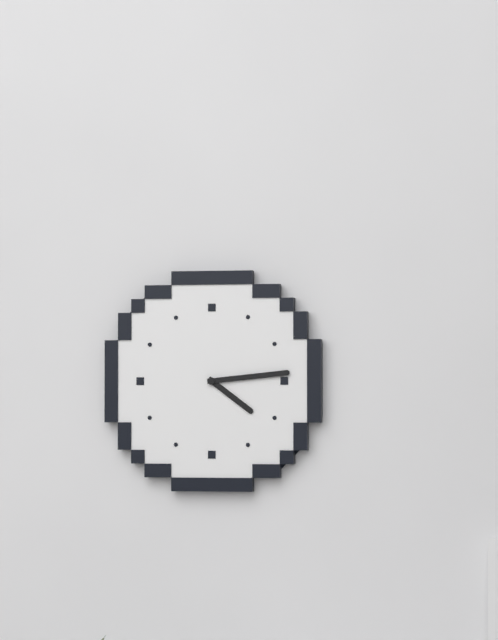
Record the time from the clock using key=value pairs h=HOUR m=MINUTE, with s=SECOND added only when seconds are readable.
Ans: h=4 m=14
